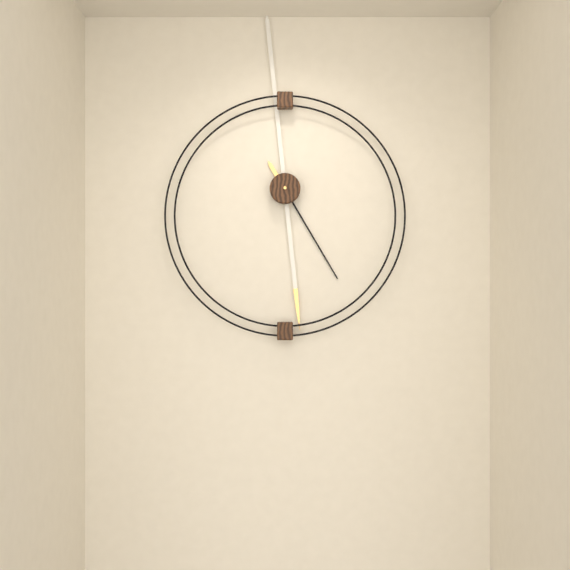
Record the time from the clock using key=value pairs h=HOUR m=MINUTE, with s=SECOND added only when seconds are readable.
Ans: h=4 m=59
